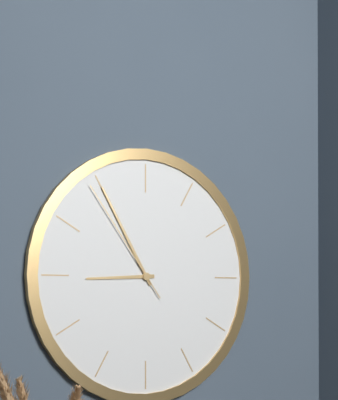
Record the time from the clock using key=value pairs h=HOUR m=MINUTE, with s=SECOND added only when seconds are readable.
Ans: h=8 m=55 s=54
